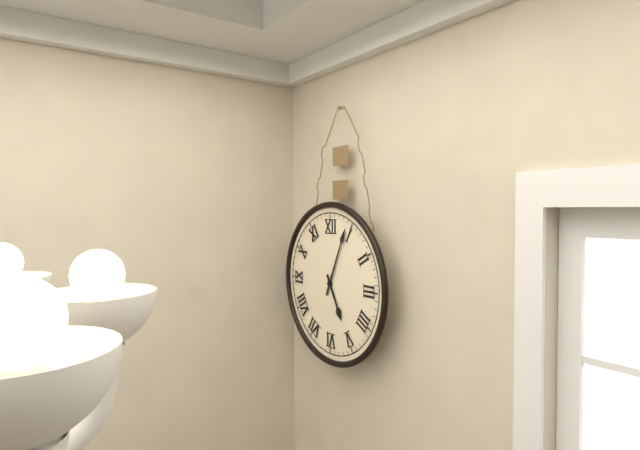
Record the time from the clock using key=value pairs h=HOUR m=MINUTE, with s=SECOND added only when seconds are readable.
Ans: h=5 m=4
